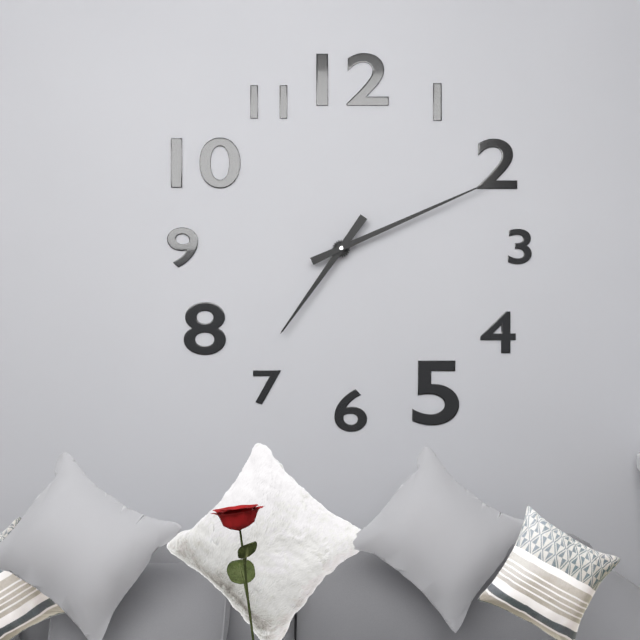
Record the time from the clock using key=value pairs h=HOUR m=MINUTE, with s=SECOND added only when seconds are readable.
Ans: h=7 m=11
